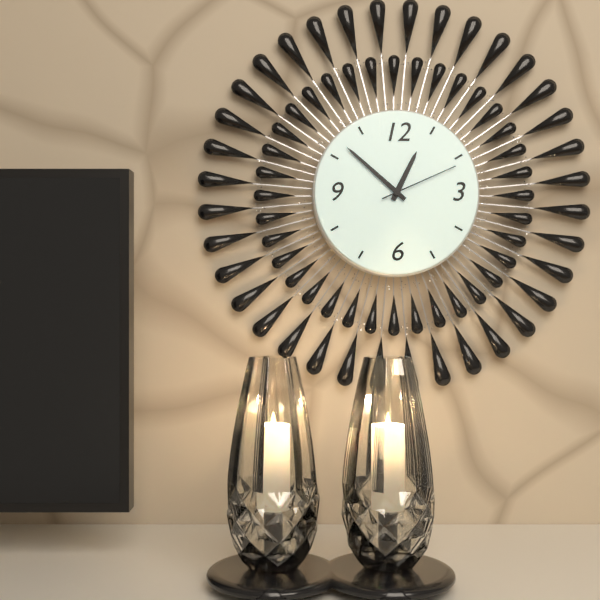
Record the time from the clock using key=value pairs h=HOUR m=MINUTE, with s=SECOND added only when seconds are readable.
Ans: h=12 m=52 s=11
